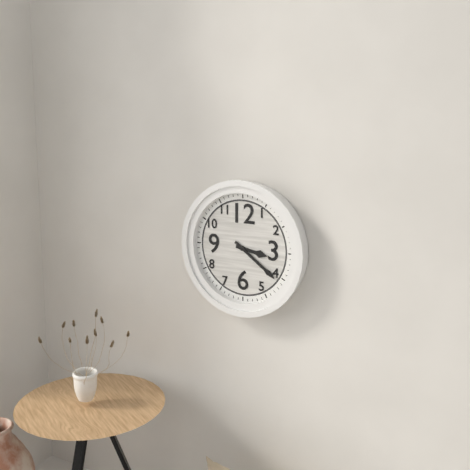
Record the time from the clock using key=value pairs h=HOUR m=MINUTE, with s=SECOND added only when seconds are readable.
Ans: h=3 m=21
